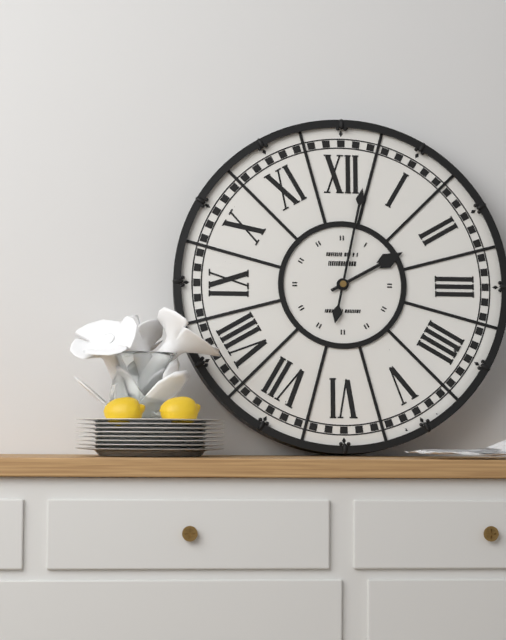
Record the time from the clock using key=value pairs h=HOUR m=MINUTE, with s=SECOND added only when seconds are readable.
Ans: h=2 m=2
